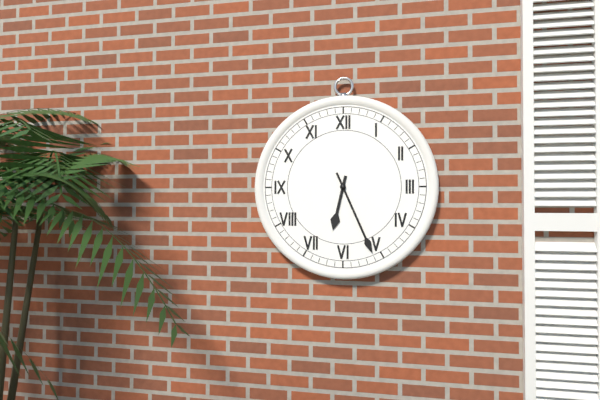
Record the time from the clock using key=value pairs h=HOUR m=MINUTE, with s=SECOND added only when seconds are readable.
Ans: h=6 m=26
